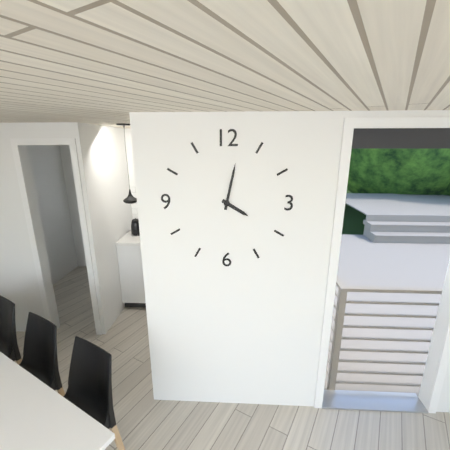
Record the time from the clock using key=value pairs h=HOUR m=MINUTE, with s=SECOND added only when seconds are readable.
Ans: h=4 m=2
